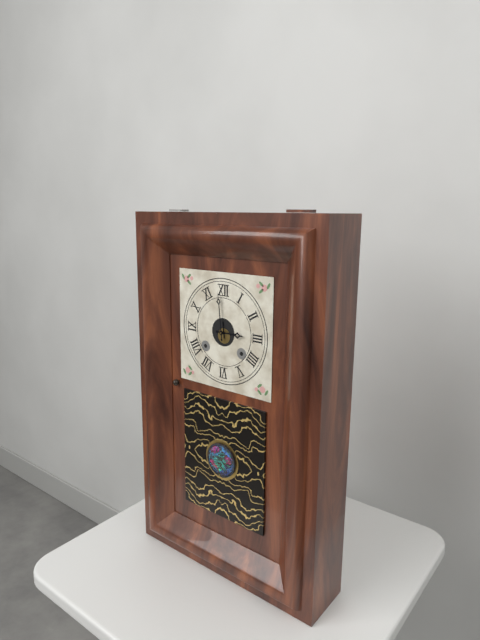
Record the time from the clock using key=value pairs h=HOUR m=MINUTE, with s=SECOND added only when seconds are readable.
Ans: h=2 m=59
